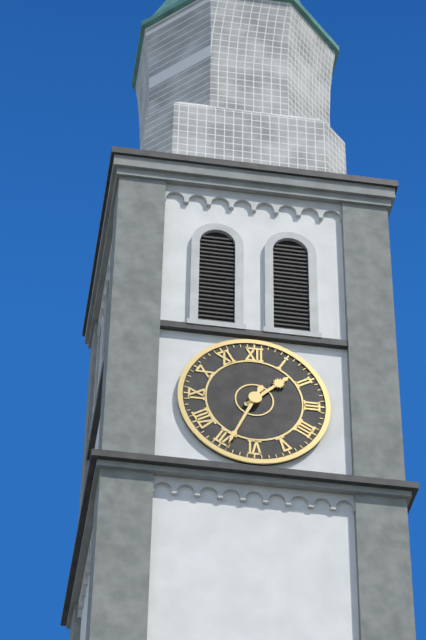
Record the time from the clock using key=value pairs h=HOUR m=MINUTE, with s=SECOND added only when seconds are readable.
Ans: h=1 m=34
